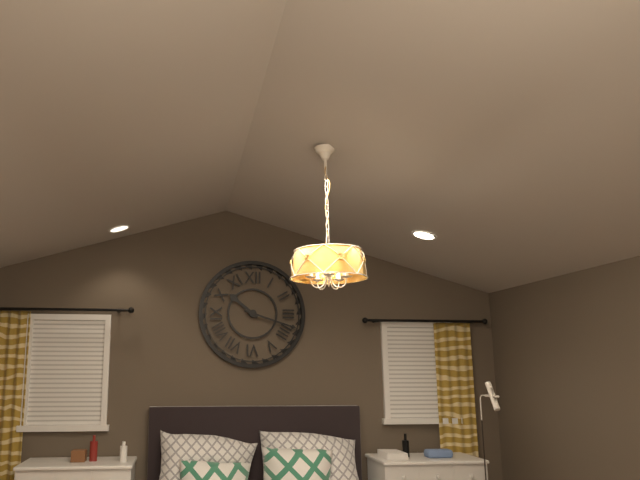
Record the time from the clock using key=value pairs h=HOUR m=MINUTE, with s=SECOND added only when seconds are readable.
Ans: h=10 m=18
